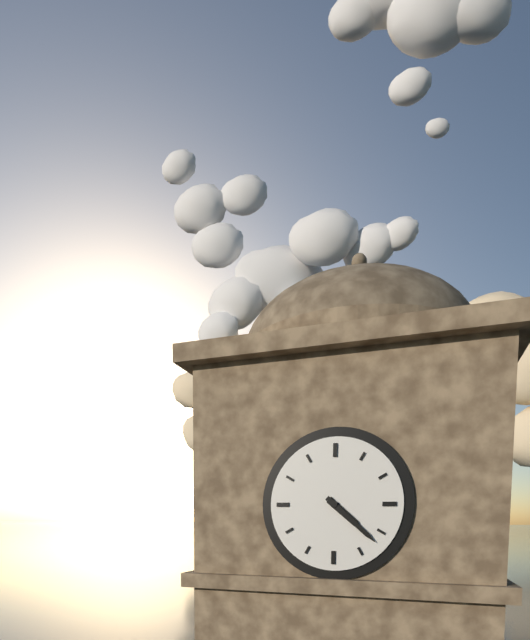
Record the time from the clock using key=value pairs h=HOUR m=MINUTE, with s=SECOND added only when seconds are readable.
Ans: h=4 m=22
